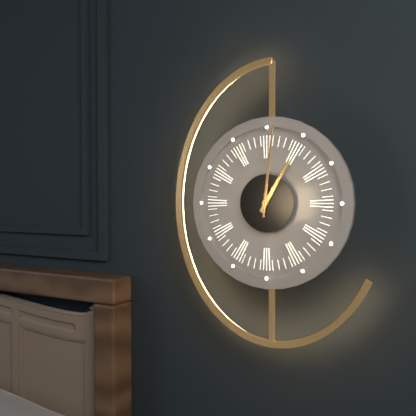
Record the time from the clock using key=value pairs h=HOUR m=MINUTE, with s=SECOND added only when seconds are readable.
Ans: h=1 m=1
